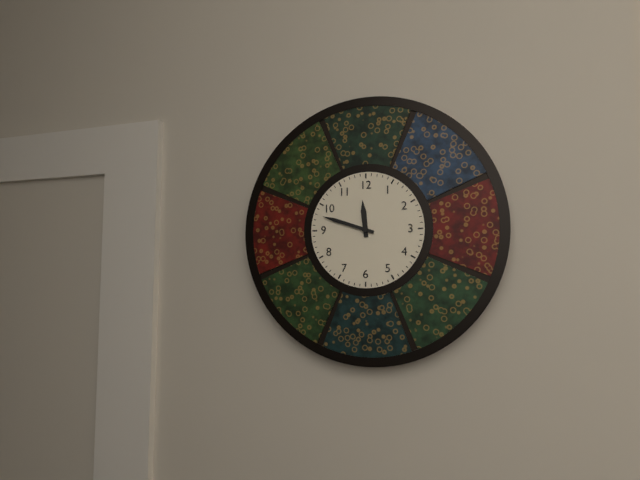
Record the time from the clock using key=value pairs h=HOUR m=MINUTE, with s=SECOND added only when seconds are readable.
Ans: h=11 m=48
